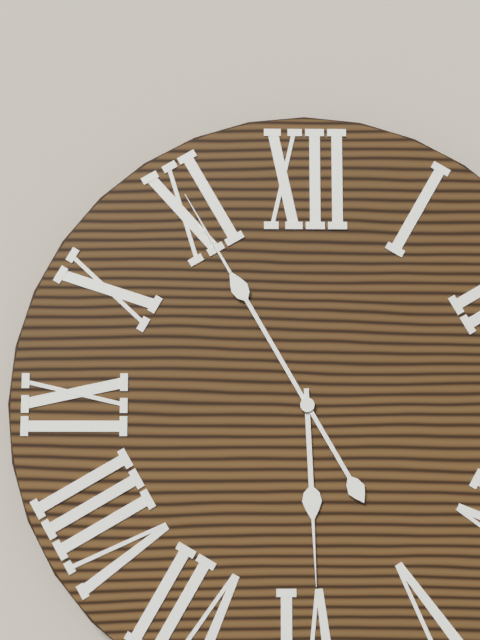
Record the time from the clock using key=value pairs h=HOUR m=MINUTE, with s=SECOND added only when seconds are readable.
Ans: h=5 m=55
